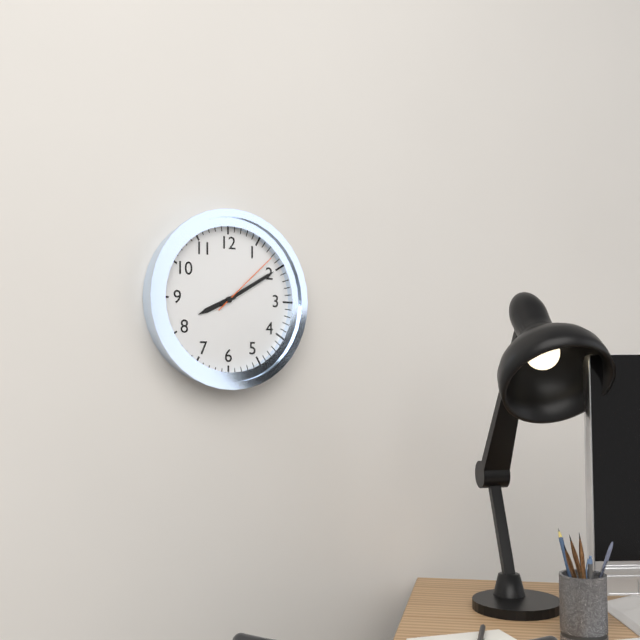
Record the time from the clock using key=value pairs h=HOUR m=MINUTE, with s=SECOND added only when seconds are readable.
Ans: h=8 m=10 s=8
